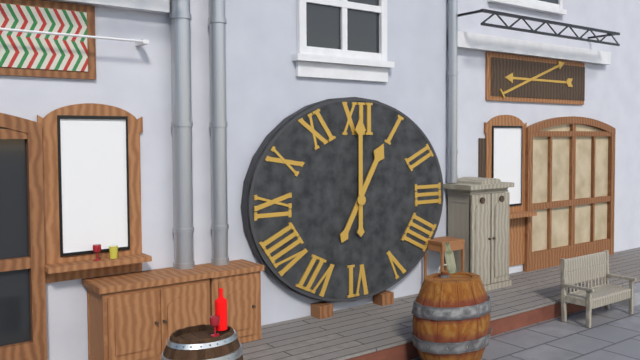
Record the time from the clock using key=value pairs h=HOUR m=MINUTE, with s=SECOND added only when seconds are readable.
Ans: h=1 m=0
